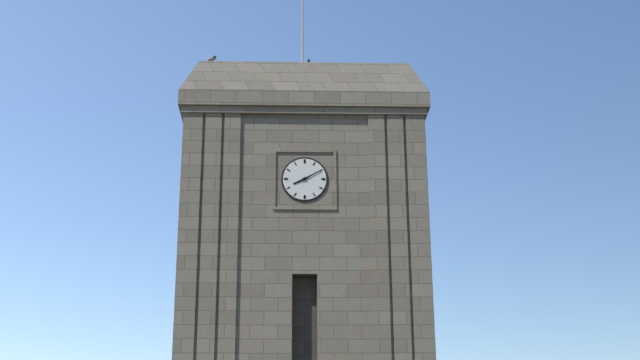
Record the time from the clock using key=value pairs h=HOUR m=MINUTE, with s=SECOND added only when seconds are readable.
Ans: h=8 m=10
